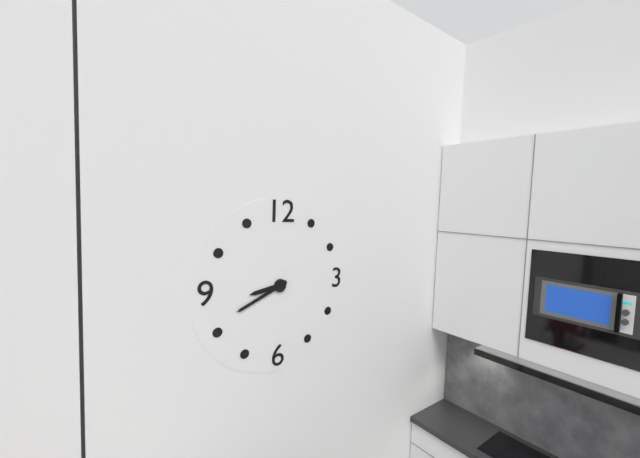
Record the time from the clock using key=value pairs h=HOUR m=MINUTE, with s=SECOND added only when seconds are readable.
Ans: h=8 m=41
